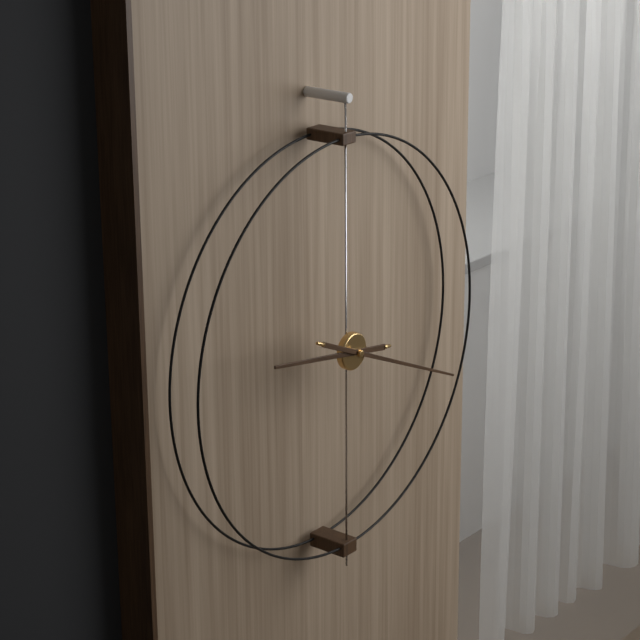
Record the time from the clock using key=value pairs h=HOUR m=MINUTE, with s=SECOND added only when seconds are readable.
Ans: h=9 m=19
